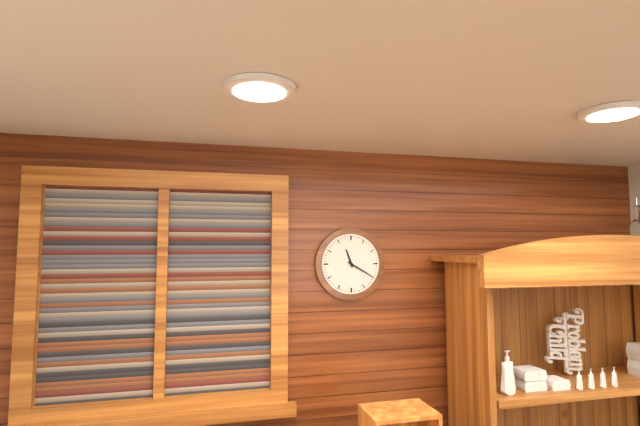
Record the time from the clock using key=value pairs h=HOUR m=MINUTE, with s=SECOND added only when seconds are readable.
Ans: h=11 m=20
